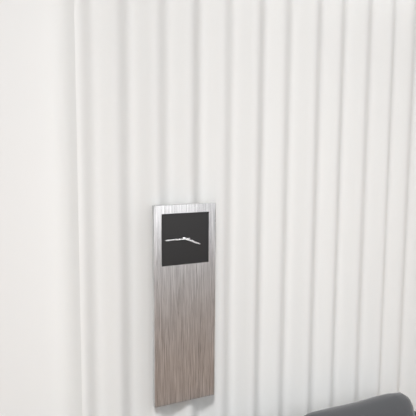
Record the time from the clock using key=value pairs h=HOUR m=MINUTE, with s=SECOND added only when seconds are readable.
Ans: h=3 m=45
